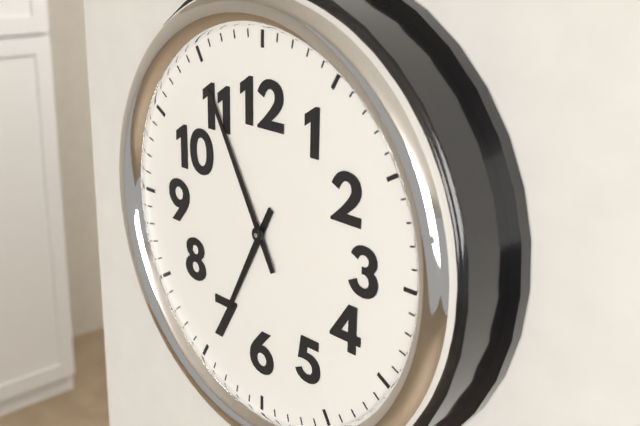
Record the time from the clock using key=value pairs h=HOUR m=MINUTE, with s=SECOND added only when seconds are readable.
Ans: h=6 m=55
